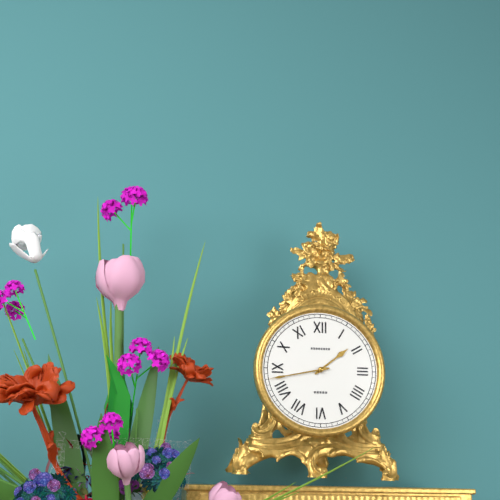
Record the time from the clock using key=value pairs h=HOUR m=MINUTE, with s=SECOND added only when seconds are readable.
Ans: h=1 m=43
